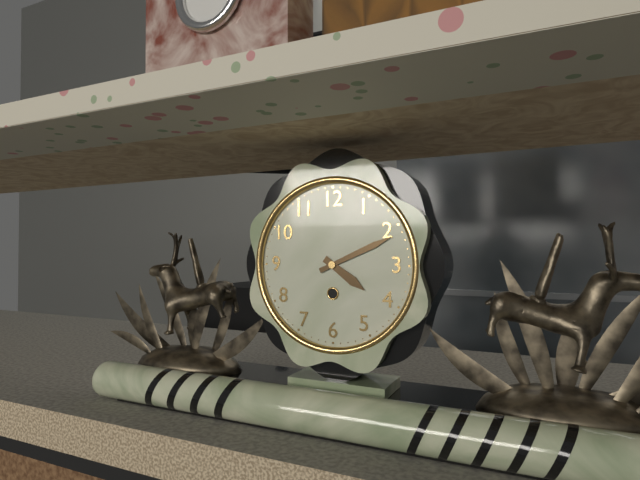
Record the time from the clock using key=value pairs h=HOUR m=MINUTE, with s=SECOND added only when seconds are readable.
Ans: h=4 m=11
